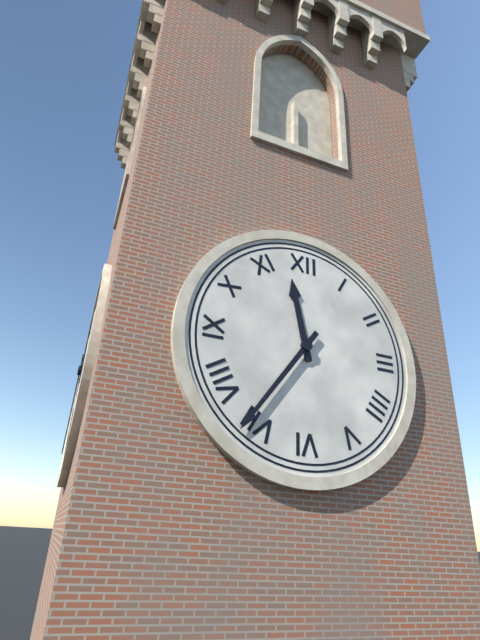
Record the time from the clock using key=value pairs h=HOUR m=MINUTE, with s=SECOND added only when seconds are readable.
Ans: h=11 m=36
